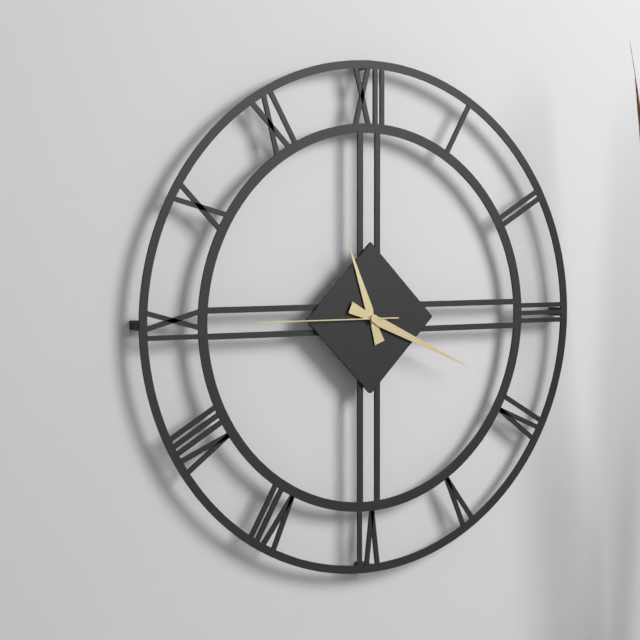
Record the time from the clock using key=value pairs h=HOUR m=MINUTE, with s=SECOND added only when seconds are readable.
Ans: h=11 m=19 s=45
